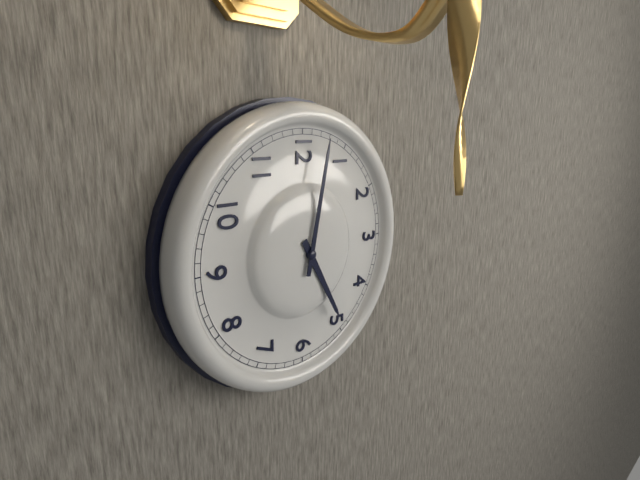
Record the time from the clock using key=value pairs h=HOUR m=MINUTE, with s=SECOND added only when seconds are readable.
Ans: h=5 m=2
